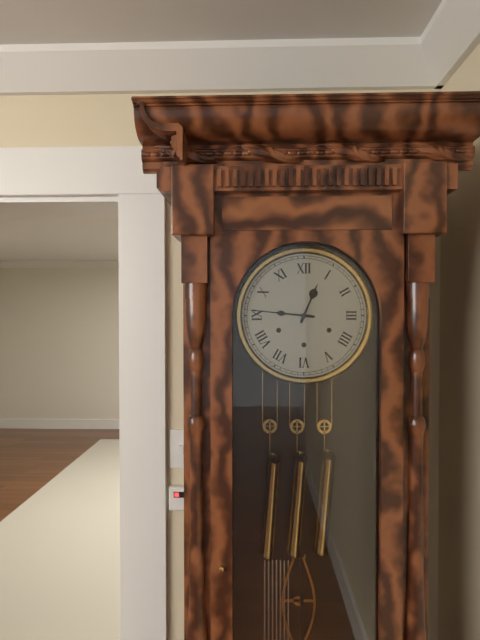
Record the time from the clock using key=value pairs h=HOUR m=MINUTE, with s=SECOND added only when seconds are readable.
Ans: h=12 m=46
